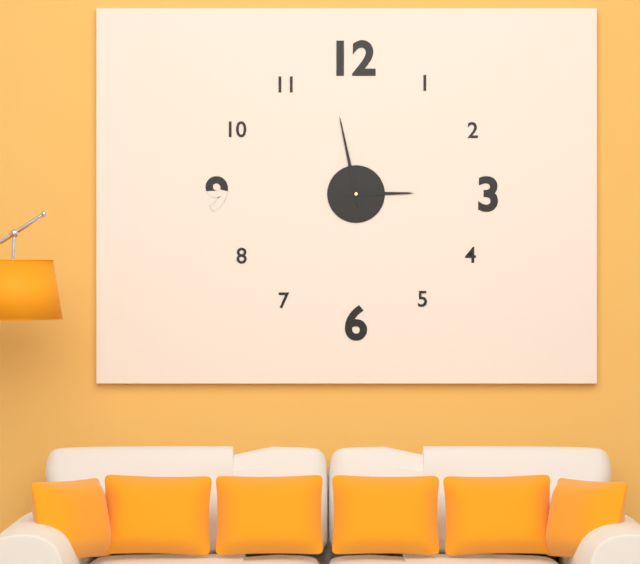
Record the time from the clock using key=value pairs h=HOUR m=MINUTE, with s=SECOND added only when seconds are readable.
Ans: h=2 m=58
